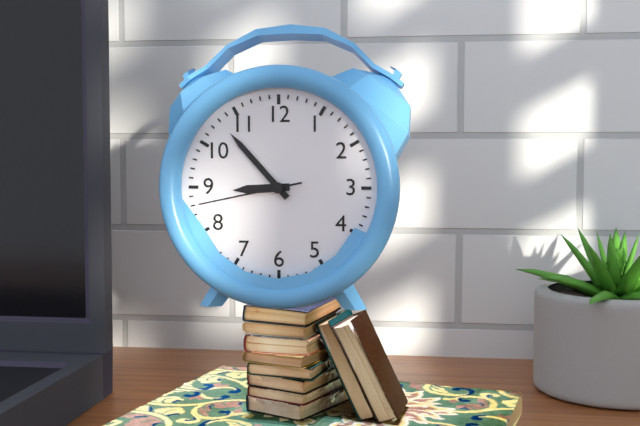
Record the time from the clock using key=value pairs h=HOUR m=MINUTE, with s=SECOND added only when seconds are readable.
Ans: h=8 m=53 s=43
